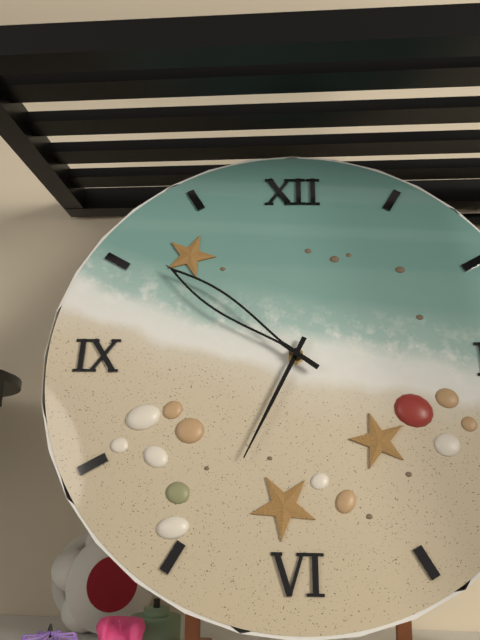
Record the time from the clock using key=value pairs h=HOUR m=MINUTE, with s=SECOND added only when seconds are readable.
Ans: h=6 m=51
